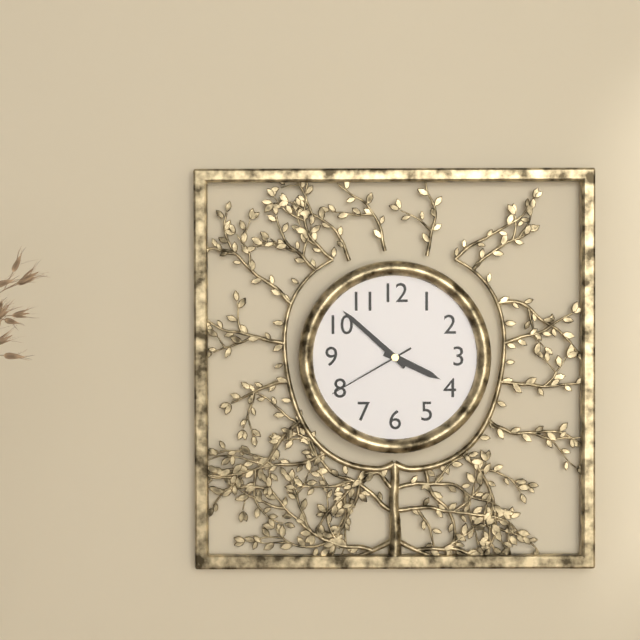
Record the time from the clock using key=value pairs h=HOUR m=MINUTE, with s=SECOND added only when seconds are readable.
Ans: h=3 m=52 s=40
